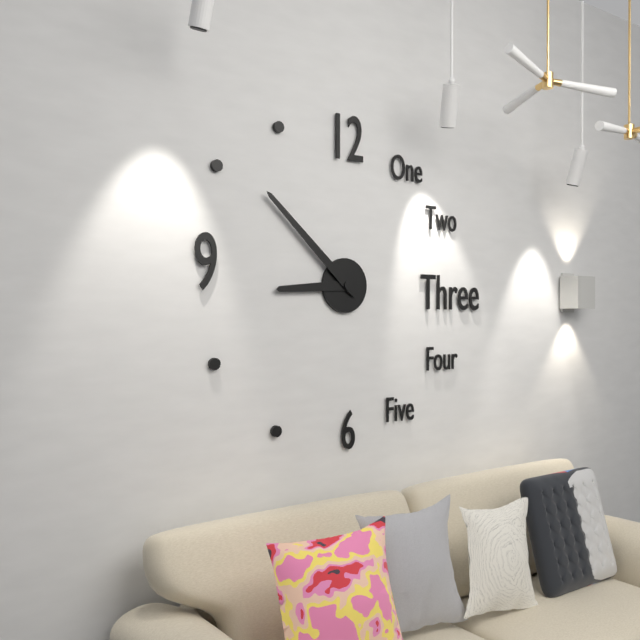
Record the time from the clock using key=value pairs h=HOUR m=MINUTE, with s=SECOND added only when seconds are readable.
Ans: h=8 m=52
